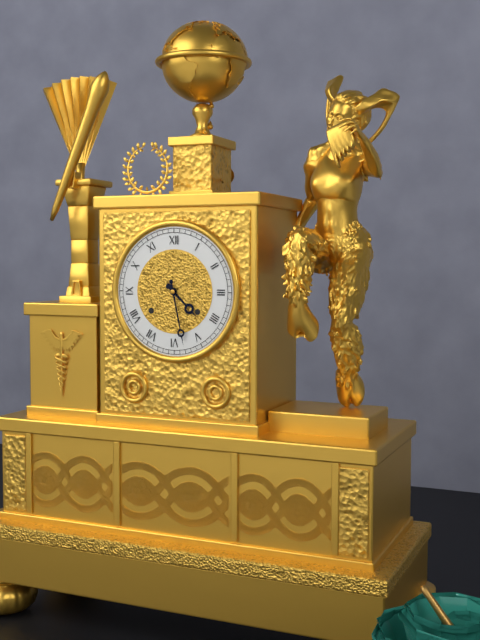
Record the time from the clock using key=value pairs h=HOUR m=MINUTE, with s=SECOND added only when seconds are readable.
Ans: h=4 m=28
